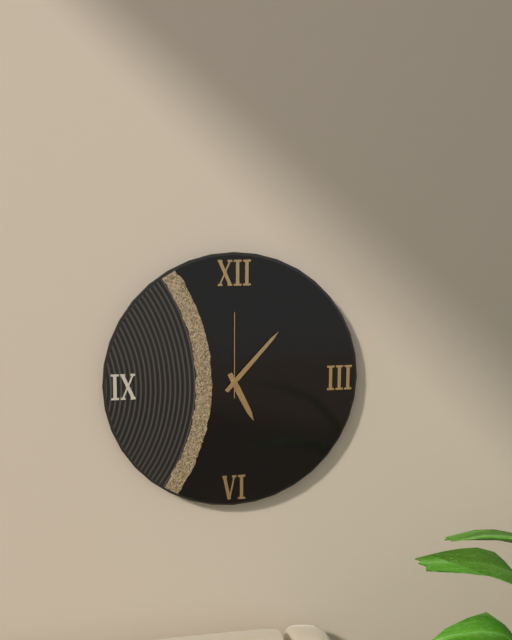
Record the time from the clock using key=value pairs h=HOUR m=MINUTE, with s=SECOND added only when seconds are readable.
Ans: h=5 m=7 s=0
